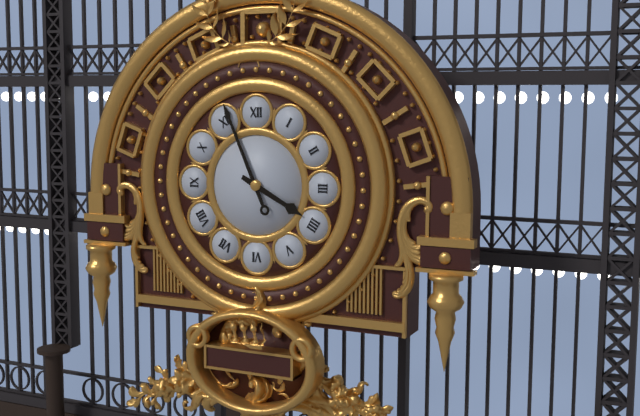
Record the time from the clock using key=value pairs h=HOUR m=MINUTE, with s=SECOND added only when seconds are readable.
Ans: h=3 m=56
